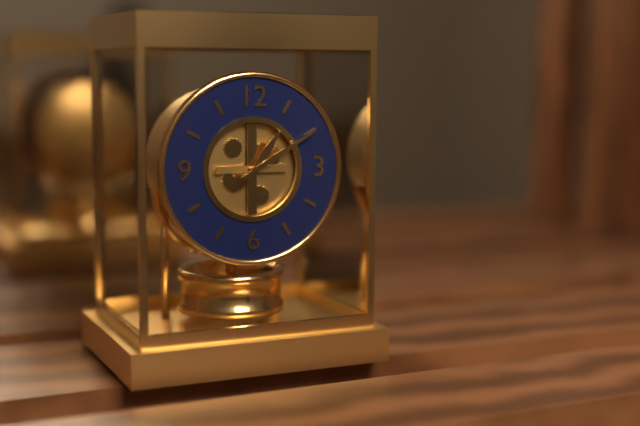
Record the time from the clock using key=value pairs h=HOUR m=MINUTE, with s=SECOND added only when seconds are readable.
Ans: h=1 m=10
